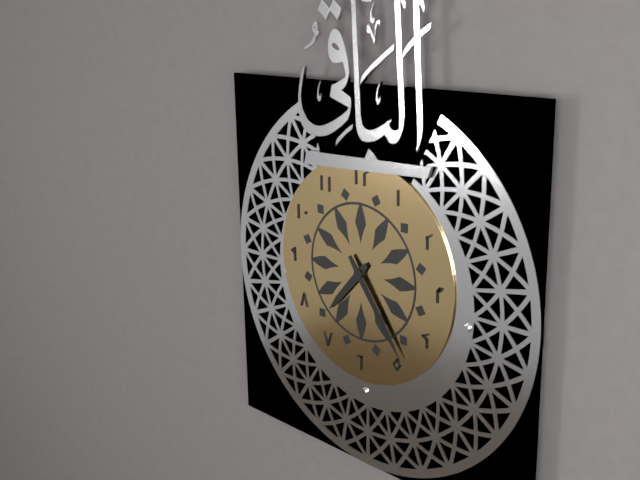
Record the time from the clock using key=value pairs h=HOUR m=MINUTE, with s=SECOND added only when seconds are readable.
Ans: h=7 m=24
